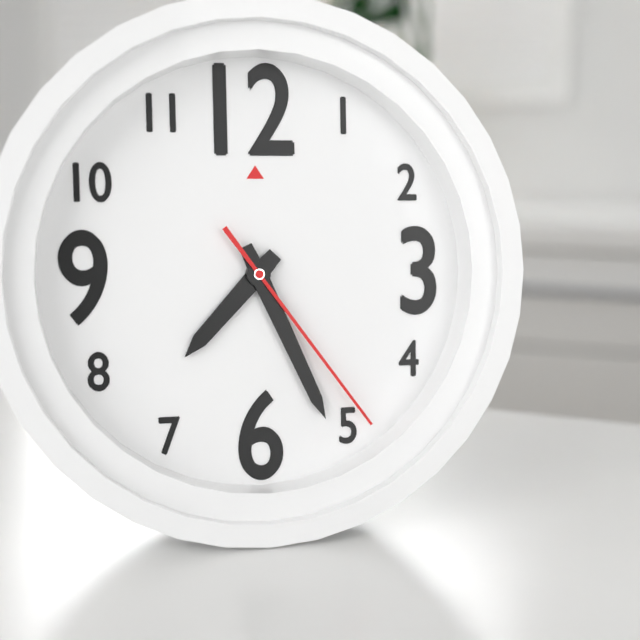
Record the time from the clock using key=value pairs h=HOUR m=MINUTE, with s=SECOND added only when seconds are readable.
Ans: h=7 m=26 s=24
